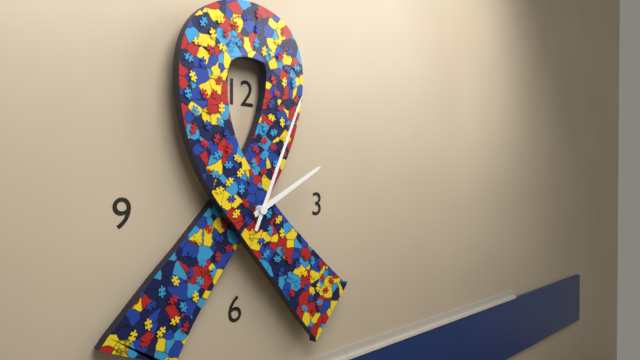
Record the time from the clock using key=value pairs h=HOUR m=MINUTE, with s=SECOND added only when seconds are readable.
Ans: h=2 m=4
